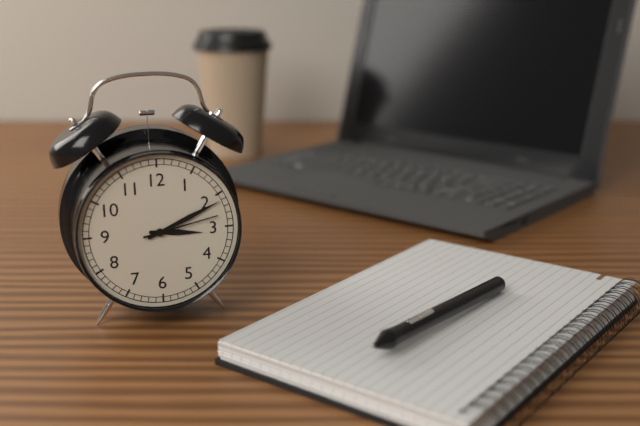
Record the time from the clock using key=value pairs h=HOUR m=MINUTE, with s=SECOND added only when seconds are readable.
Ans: h=3 m=11 s=13
